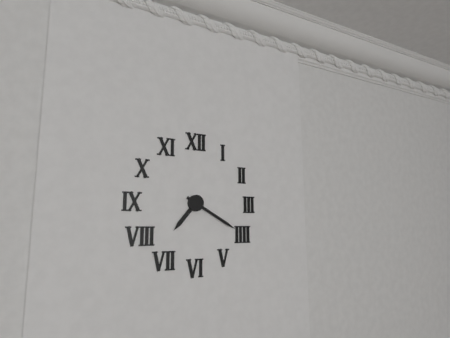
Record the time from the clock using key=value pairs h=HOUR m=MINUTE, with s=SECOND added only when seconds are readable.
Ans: h=7 m=20
